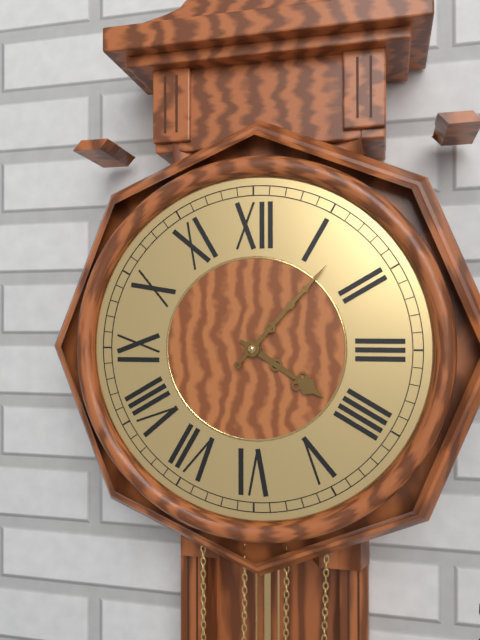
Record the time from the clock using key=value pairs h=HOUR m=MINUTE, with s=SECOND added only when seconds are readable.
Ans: h=4 m=7
